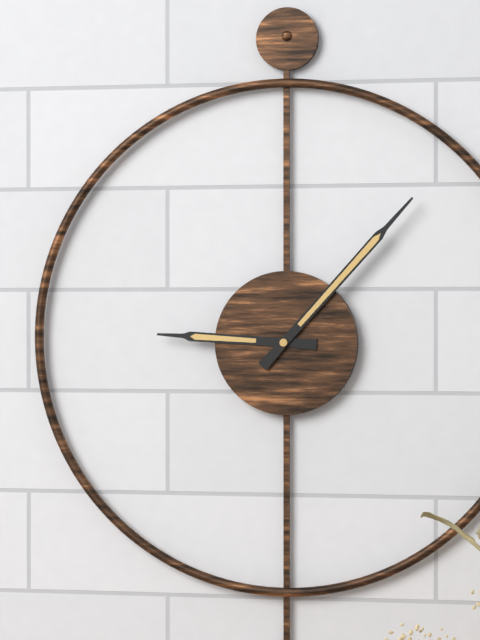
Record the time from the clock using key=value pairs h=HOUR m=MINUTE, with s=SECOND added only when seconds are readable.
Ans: h=9 m=7
